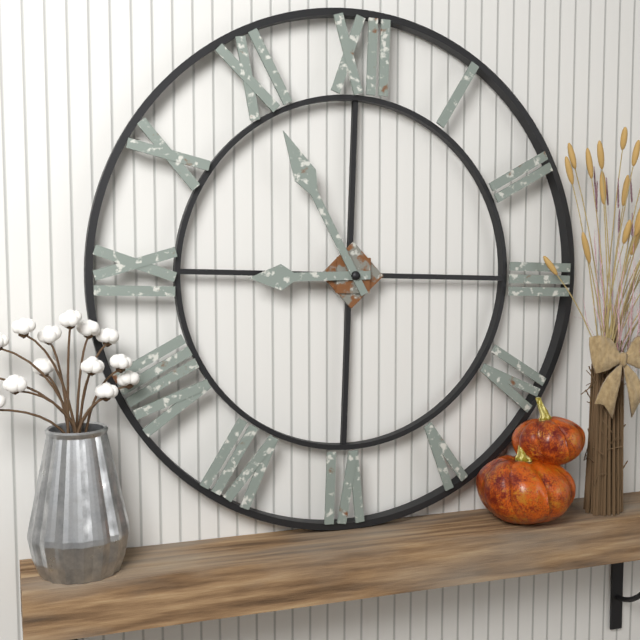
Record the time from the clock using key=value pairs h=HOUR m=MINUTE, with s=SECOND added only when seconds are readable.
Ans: h=8 m=55
